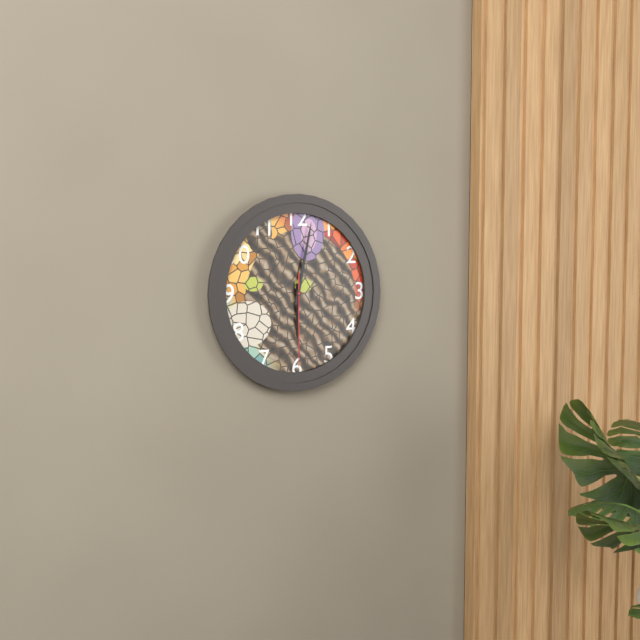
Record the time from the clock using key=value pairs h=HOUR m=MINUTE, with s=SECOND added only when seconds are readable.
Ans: h=6 m=2 s=30
